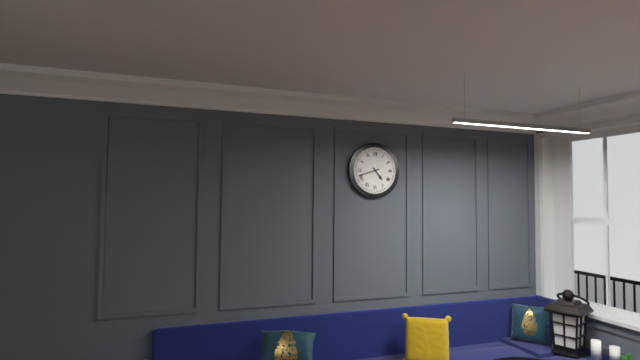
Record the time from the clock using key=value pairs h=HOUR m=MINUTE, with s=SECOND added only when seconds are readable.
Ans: h=4 m=42
